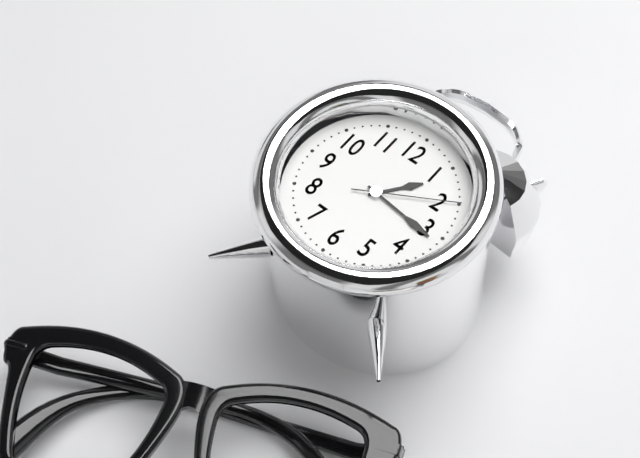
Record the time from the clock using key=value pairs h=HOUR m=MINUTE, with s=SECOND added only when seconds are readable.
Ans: h=1 m=16 s=10
